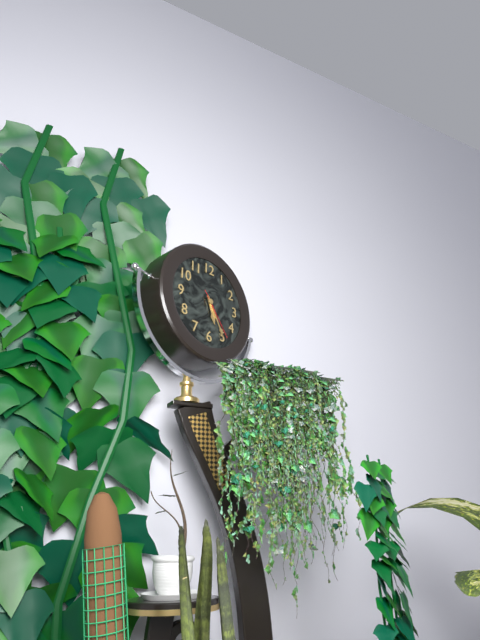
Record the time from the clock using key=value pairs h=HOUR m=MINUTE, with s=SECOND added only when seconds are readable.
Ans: h=5 m=25 s=24
